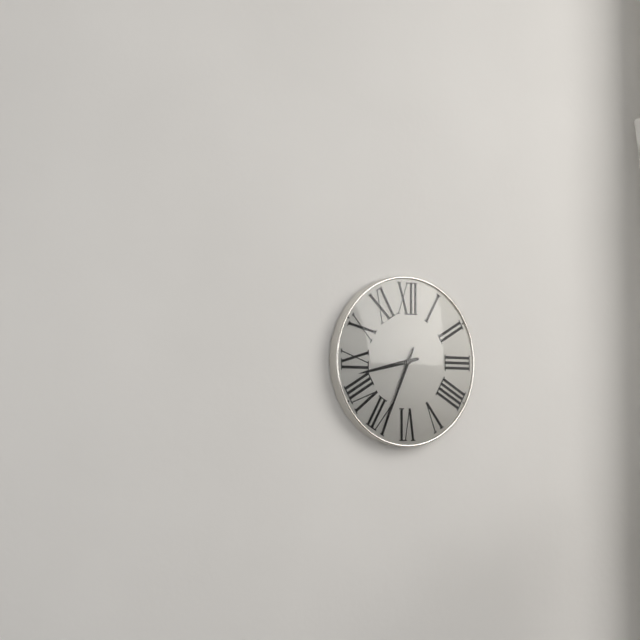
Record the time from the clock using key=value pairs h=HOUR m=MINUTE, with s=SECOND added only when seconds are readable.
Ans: h=8 m=34
